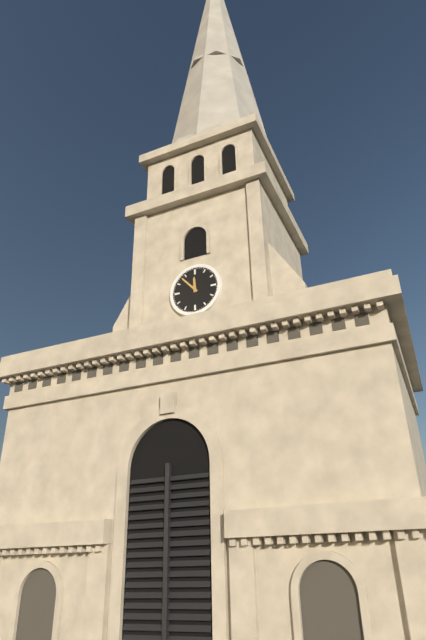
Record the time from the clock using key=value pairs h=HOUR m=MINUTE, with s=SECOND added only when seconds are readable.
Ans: h=11 m=53
